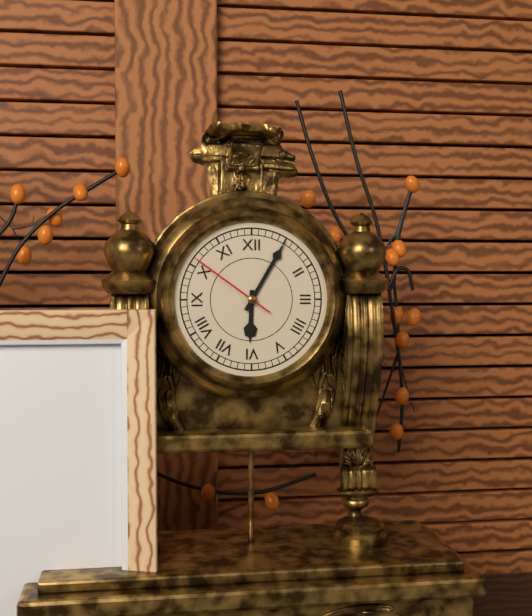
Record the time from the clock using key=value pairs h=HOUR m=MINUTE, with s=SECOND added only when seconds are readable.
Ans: h=6 m=5 s=51
